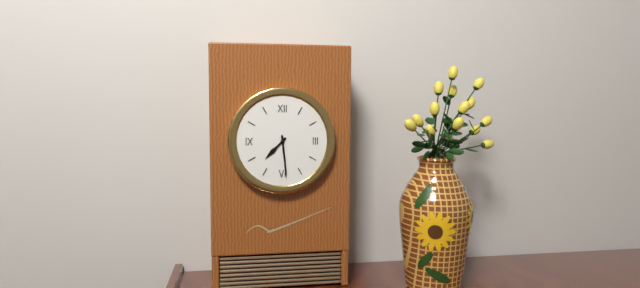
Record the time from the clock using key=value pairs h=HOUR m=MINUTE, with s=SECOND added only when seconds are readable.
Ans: h=7 m=29
